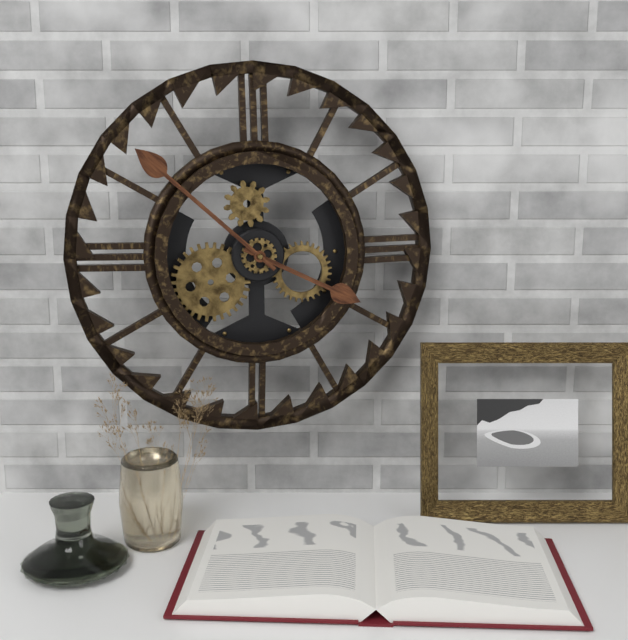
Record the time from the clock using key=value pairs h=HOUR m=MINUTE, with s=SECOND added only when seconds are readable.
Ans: h=3 m=52
